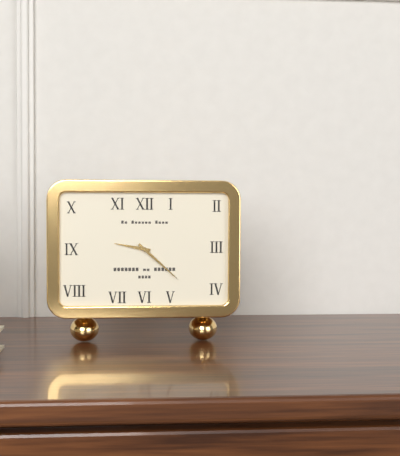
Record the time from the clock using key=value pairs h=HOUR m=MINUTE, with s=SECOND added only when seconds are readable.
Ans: h=9 m=22
